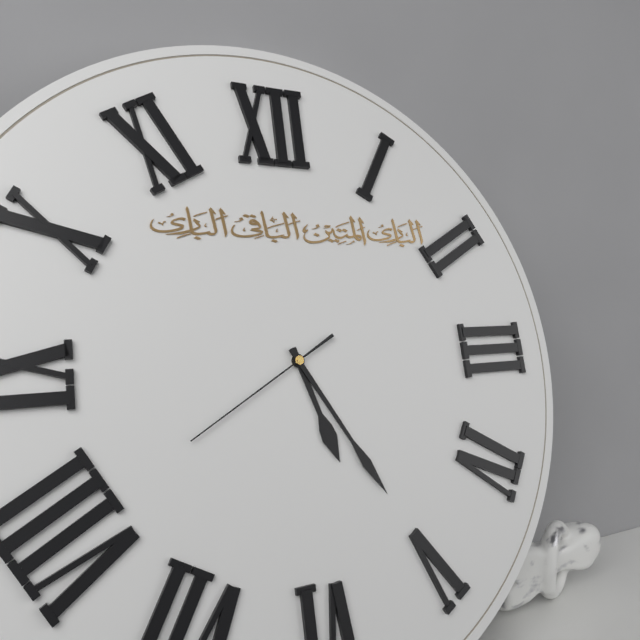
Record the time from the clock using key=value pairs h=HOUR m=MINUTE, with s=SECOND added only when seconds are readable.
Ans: h=5 m=25 s=40
